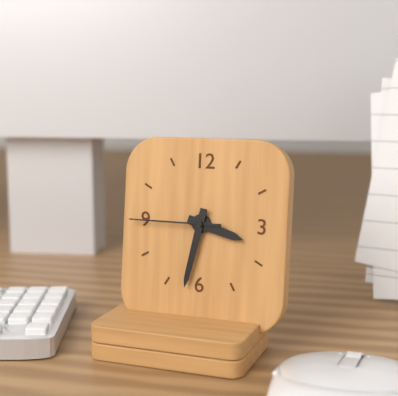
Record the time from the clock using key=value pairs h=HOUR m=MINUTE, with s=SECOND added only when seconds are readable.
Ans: h=3 m=32 s=45
